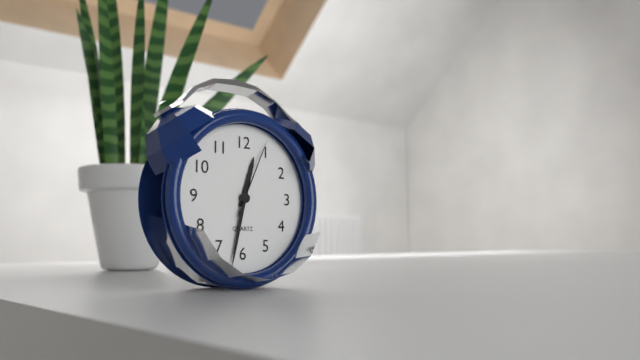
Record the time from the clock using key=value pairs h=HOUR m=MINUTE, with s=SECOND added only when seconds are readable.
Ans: h=12 m=32 s=4
